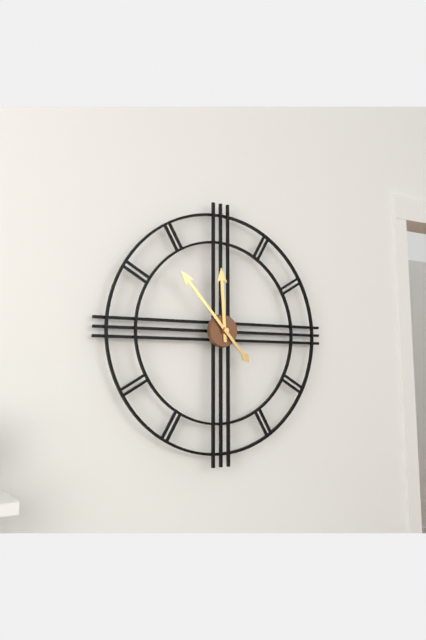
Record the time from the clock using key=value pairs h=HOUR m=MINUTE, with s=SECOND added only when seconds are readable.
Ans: h=11 m=53
